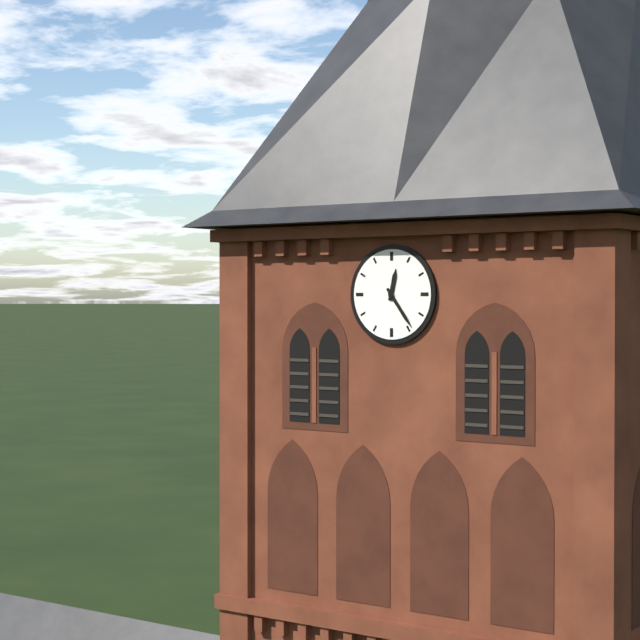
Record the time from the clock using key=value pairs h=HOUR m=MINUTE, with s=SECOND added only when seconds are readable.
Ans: h=12 m=24
